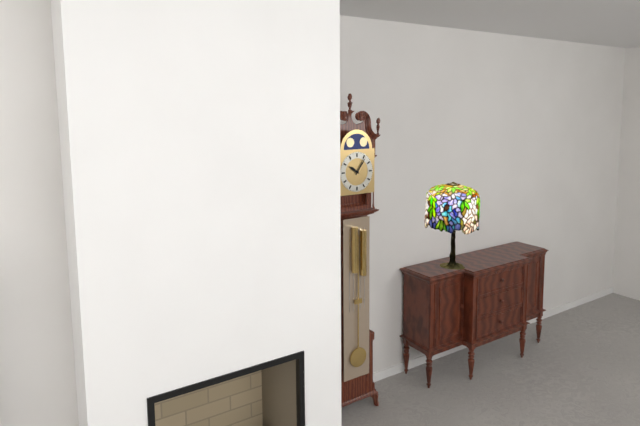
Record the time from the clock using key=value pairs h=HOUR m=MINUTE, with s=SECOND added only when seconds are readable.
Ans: h=10 m=6
